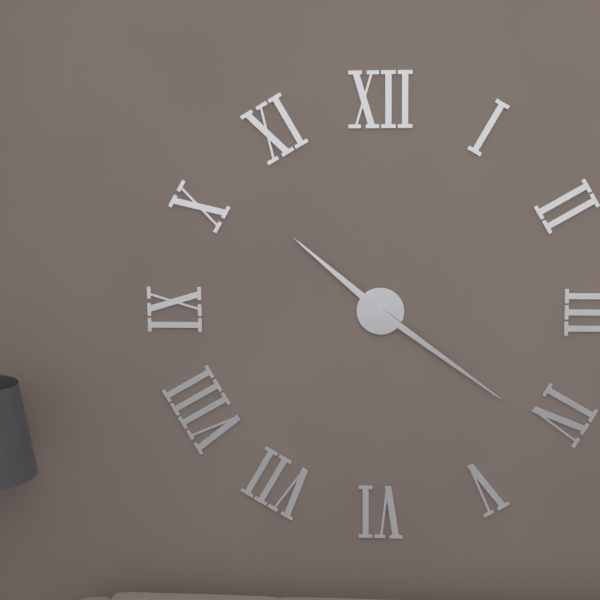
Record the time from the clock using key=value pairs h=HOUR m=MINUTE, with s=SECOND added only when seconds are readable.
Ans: h=10 m=21
